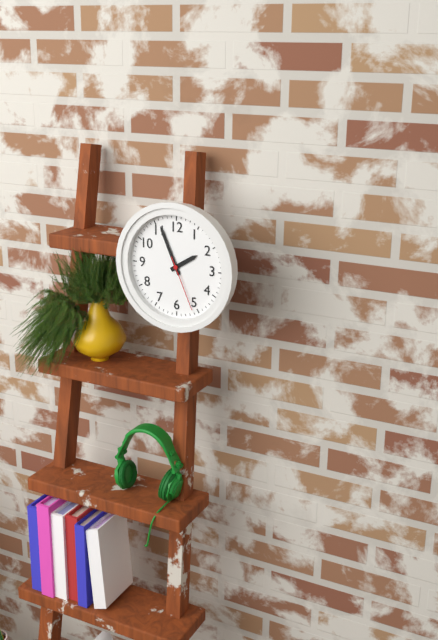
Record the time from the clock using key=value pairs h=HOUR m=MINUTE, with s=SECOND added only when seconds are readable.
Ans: h=1 m=56 s=26
